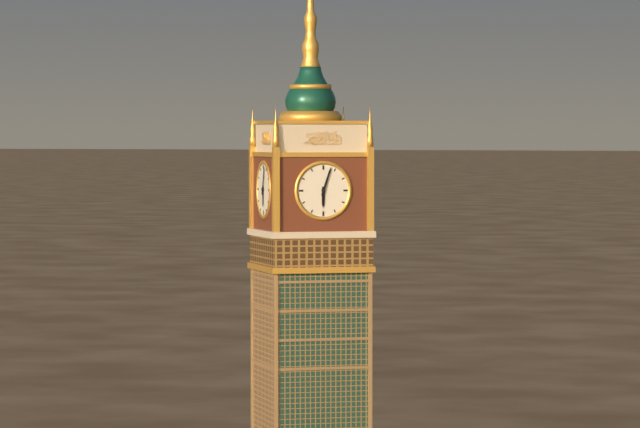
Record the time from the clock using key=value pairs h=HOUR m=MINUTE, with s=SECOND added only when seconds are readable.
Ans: h=6 m=3
